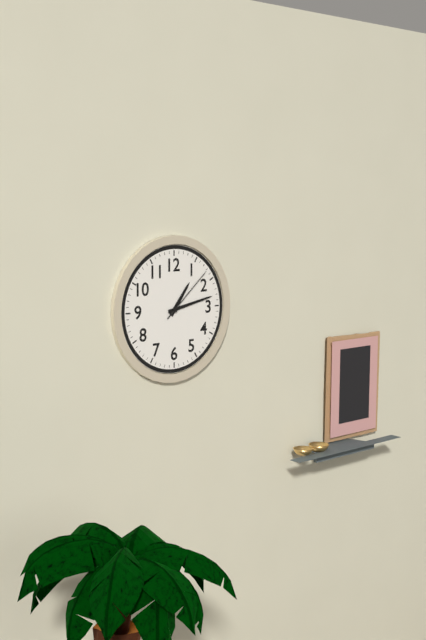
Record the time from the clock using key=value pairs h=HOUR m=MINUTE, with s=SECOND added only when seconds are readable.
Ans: h=1 m=13 s=8
